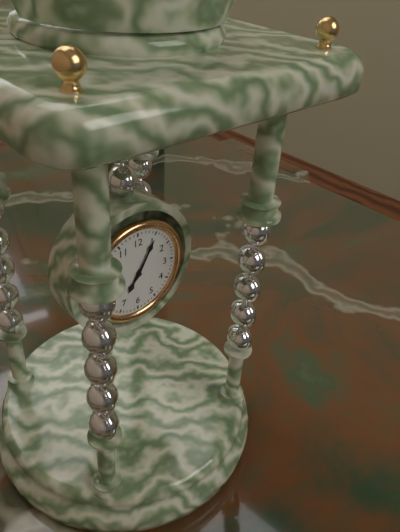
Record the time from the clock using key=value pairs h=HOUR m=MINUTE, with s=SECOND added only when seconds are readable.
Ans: h=7 m=5
